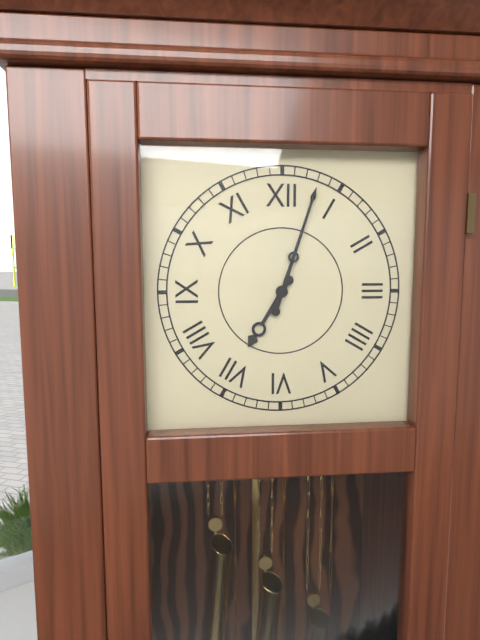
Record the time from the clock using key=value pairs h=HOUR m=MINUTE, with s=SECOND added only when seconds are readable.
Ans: h=7 m=3
